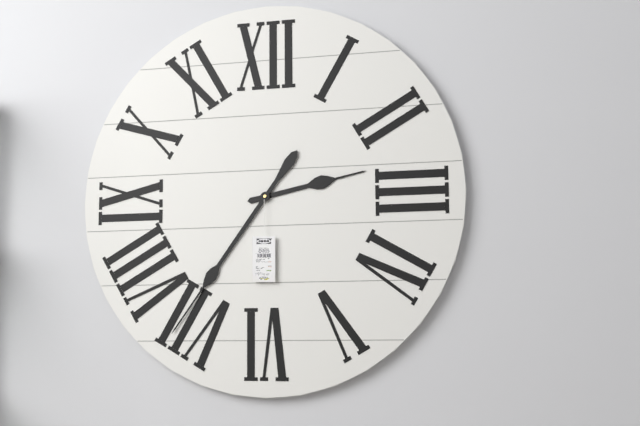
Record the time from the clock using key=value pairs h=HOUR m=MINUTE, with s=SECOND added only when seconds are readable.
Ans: h=2 m=36
